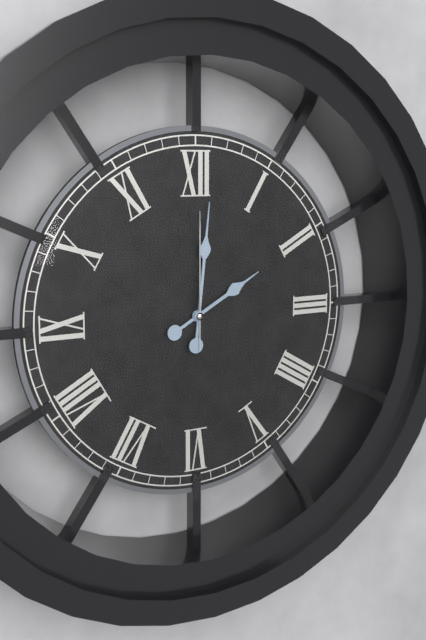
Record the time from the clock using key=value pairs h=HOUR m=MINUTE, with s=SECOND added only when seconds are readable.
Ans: h=2 m=1 s=0
